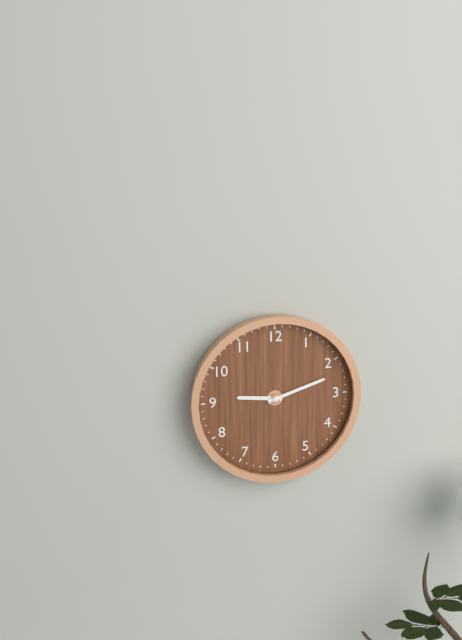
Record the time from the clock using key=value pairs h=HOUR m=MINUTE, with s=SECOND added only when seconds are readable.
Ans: h=9 m=12
